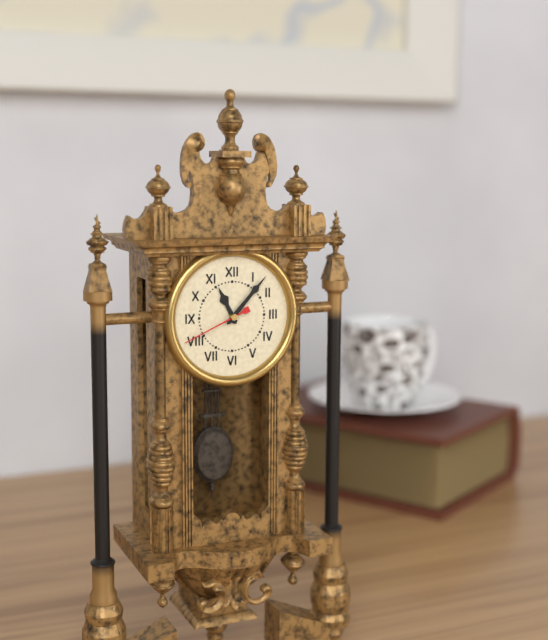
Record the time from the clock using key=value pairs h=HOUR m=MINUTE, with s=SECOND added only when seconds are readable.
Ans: h=11 m=7 s=41
